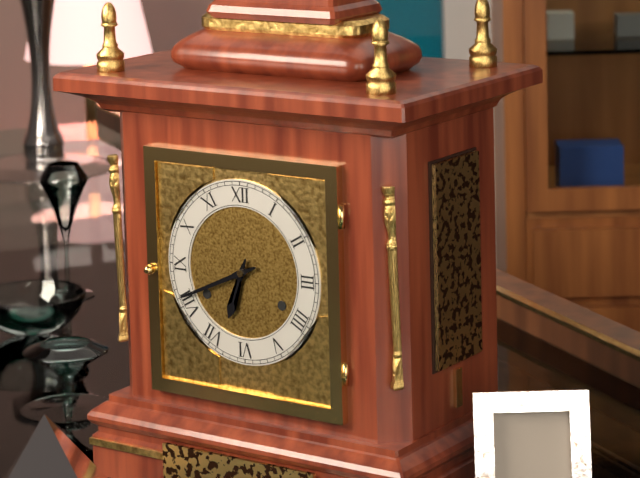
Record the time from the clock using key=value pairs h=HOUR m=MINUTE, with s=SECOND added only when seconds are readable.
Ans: h=6 m=41
